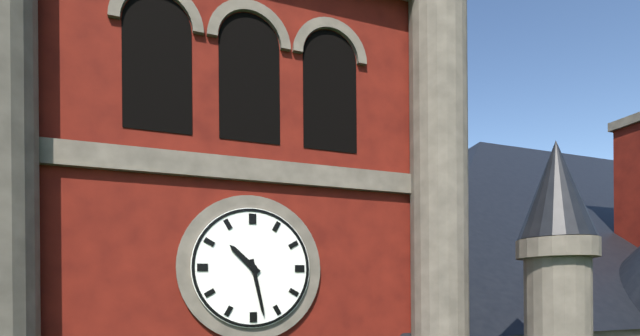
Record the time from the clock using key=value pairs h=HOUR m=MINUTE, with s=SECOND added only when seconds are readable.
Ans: h=10 m=28
